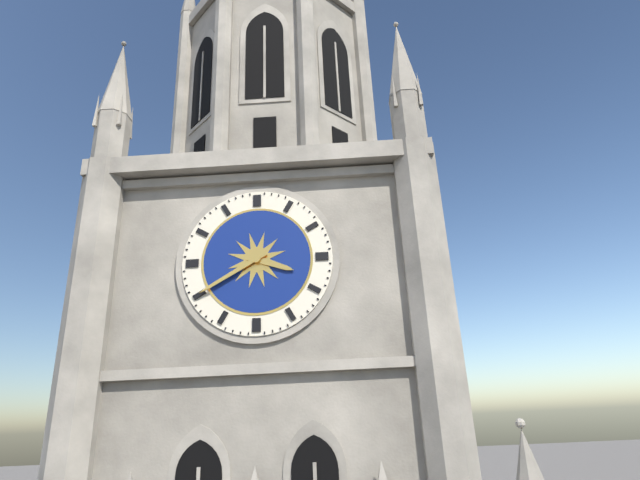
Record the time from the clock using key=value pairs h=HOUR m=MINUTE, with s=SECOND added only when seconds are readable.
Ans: h=3 m=40
